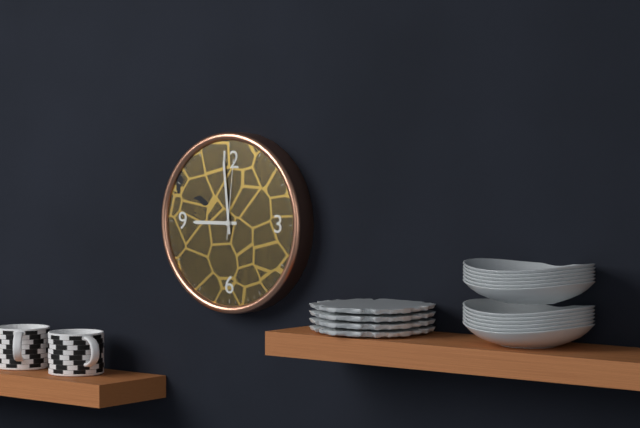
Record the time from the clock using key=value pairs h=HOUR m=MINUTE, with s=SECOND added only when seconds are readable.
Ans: h=8 m=59 s=1
